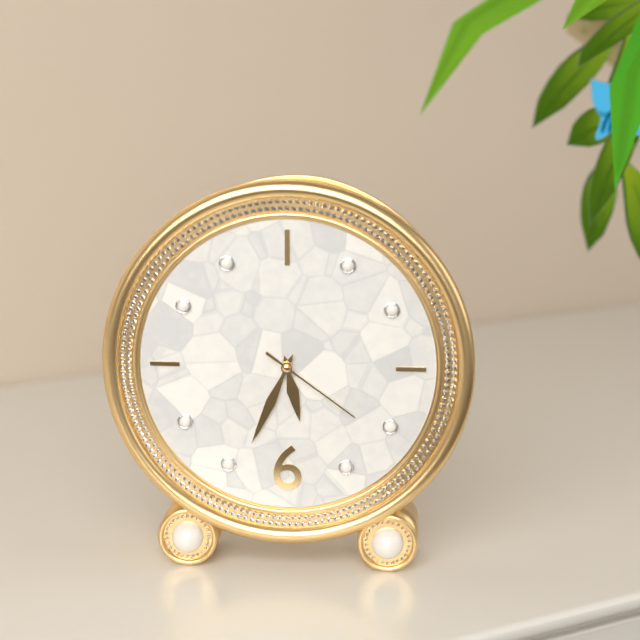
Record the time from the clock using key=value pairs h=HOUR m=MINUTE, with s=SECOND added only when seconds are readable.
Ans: h=5 m=34 s=21
